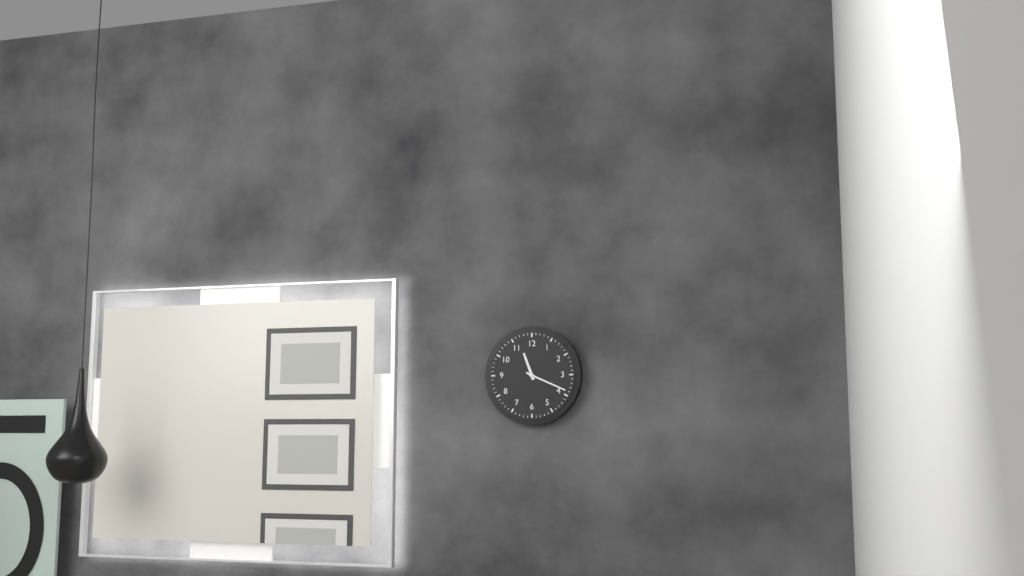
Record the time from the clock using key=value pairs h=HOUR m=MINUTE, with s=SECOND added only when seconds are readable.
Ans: h=11 m=19
